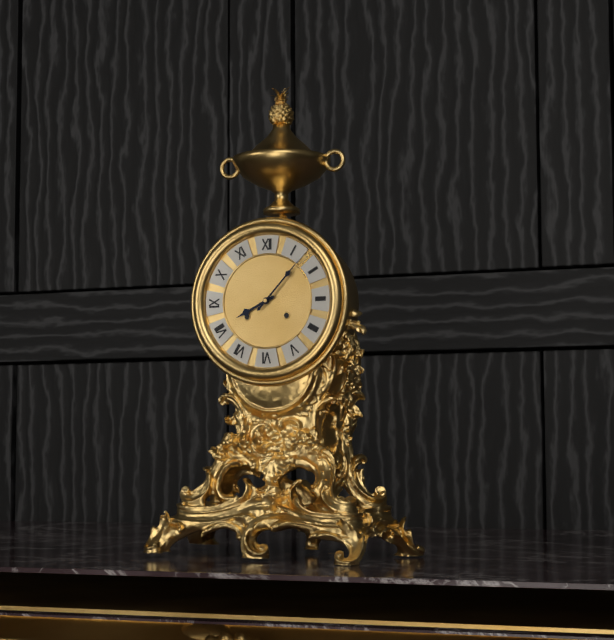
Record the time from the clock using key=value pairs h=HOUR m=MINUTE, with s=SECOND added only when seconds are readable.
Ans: h=8 m=7
